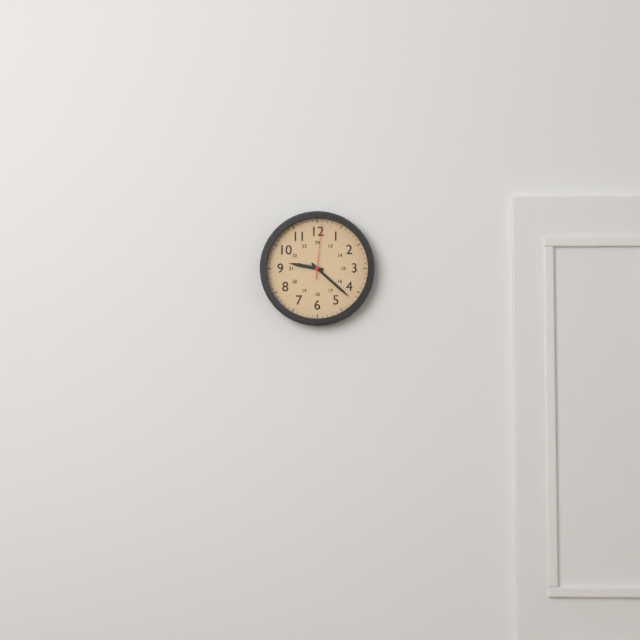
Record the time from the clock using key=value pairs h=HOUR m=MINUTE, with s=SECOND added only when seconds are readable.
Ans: h=9 m=22 s=1
